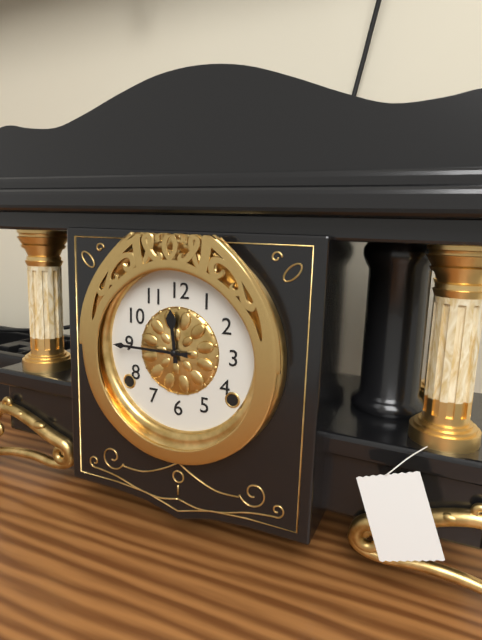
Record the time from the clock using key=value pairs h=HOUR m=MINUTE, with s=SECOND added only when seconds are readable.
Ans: h=11 m=45
